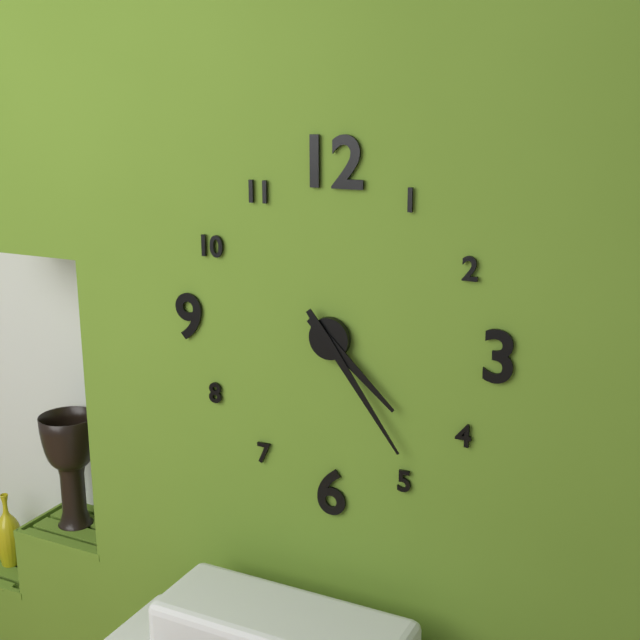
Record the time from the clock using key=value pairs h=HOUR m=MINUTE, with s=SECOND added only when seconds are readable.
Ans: h=4 m=24
